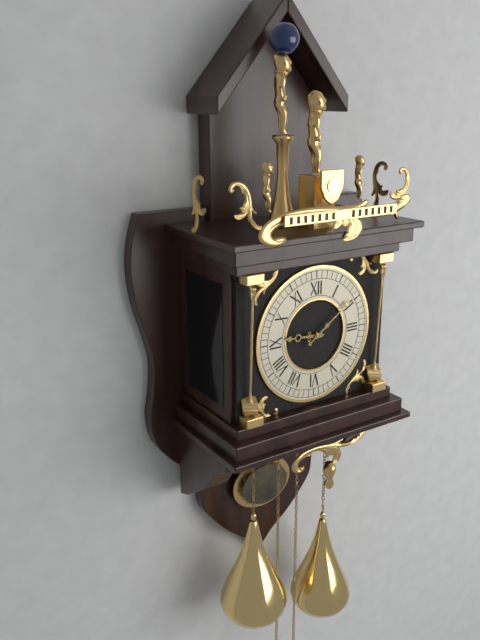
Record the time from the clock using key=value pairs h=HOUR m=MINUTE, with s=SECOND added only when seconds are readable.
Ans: h=9 m=9
